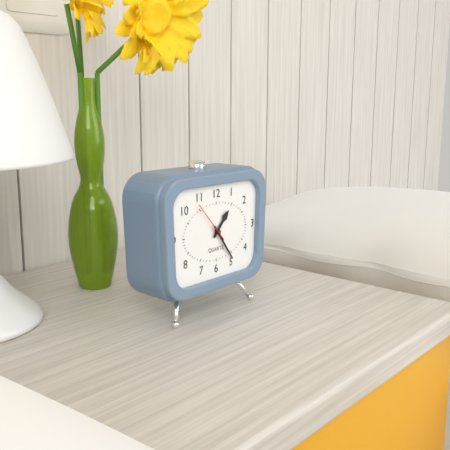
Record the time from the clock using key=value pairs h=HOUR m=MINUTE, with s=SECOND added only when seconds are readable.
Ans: h=1 m=24
